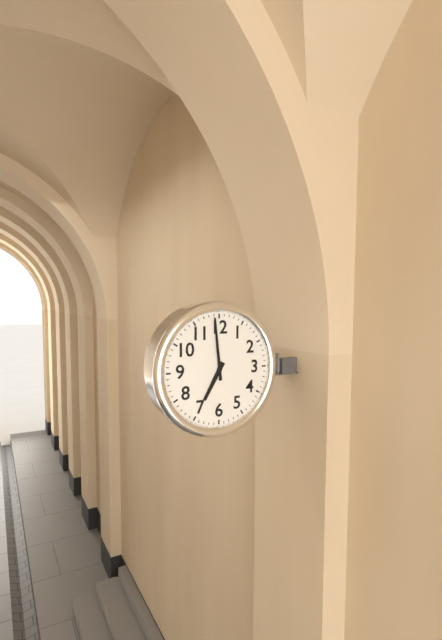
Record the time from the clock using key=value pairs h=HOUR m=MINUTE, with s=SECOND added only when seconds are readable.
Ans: h=6 m=59
